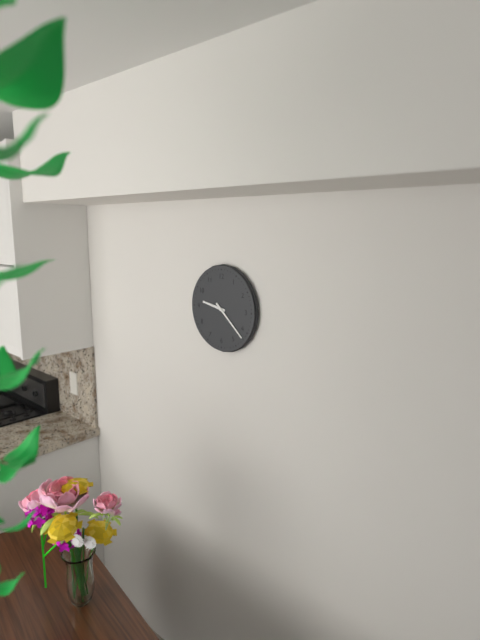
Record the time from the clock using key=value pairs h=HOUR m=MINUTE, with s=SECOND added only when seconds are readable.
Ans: h=9 m=22
